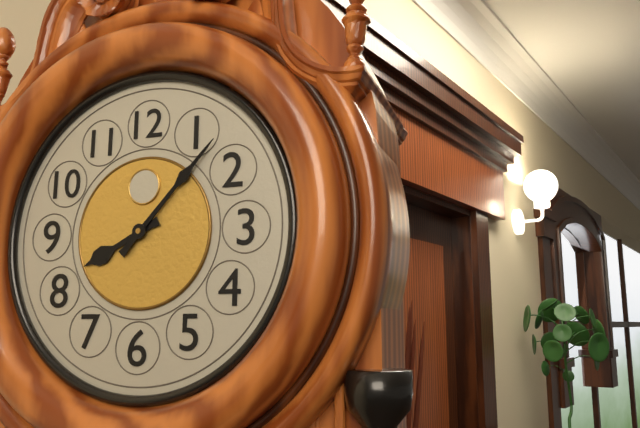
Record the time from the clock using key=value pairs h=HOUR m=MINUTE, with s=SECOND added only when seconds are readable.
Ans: h=8 m=7
